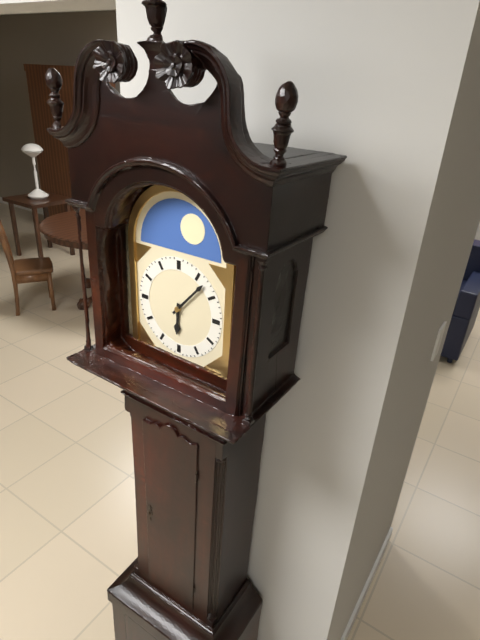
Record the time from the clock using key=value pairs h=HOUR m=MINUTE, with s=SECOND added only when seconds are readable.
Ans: h=6 m=7
